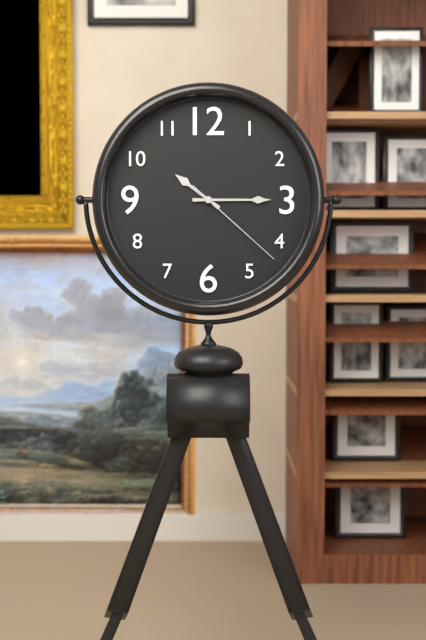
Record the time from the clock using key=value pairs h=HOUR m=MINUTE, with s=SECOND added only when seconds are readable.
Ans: h=10 m=15 s=22
